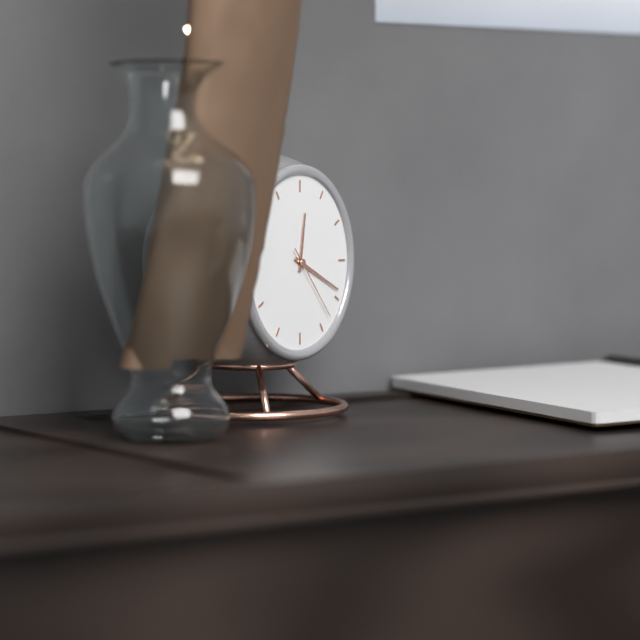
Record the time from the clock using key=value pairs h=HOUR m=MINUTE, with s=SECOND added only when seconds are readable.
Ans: h=12 m=19 s=23
